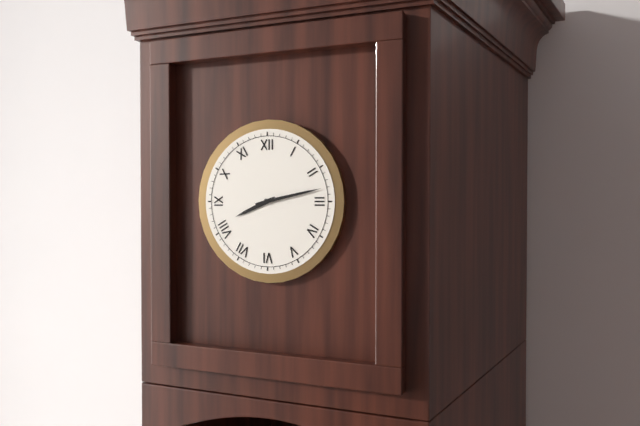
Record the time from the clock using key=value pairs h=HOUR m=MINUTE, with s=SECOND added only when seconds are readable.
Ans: h=8 m=13
